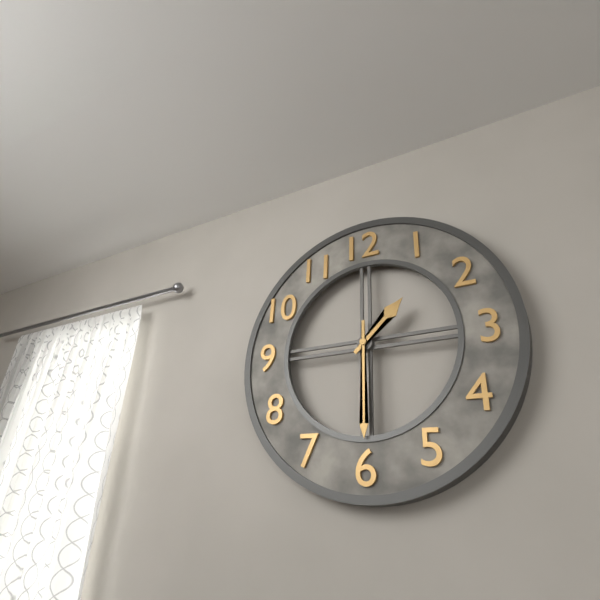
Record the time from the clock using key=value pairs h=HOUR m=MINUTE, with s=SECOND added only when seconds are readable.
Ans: h=1 m=30
